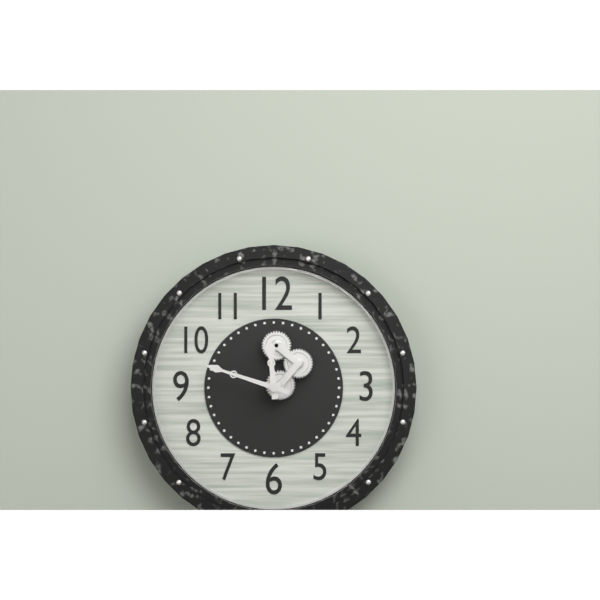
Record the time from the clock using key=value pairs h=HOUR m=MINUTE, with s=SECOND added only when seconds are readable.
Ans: h=11 m=48
